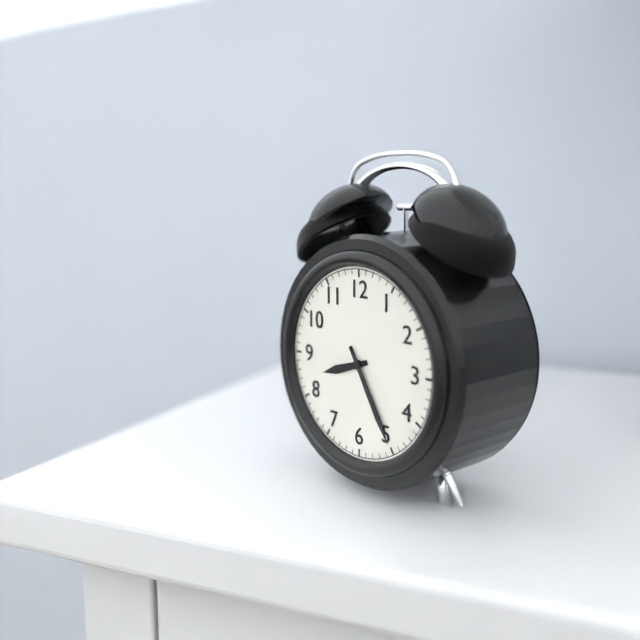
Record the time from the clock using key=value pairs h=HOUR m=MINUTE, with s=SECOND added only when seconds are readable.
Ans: h=8 m=25
